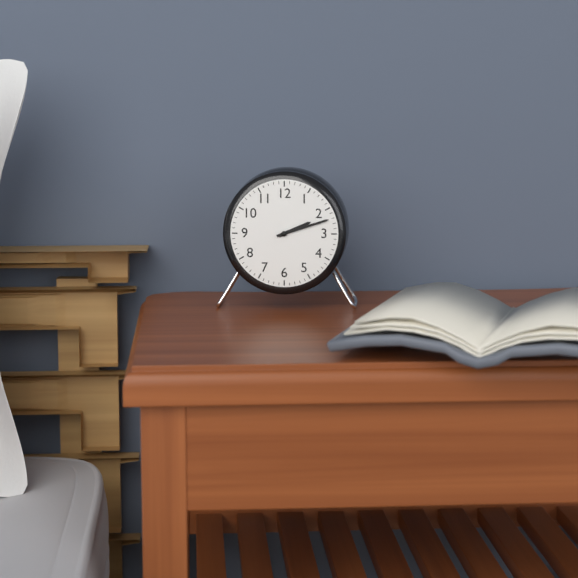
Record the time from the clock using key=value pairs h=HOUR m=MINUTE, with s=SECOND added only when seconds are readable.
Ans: h=2 m=12
